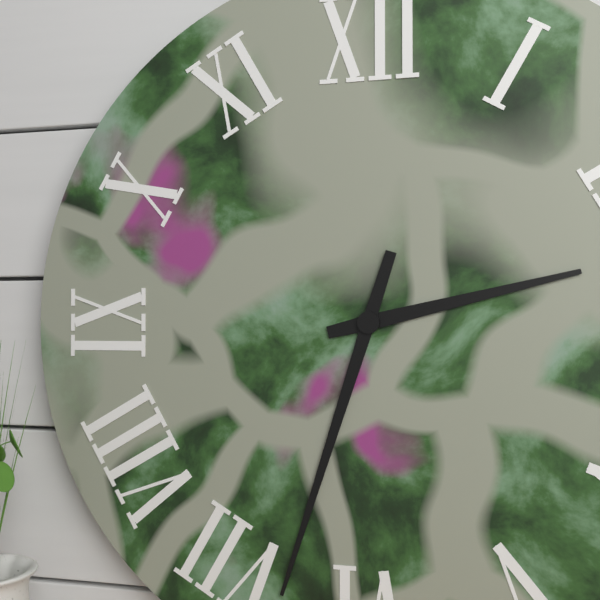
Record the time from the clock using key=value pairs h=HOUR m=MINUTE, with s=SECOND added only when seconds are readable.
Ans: h=2 m=33
